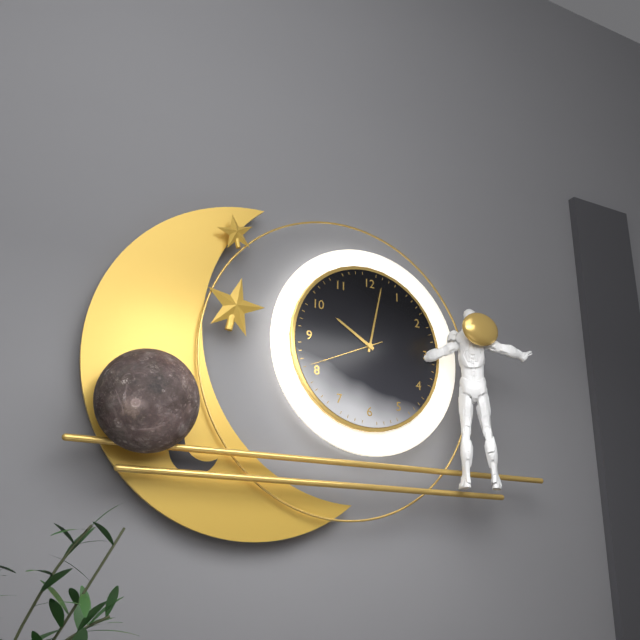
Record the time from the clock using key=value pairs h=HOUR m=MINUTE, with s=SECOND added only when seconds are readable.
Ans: h=10 m=2 s=41
